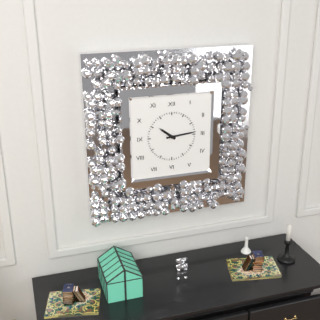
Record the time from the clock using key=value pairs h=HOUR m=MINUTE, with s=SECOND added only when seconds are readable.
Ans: h=10 m=14
